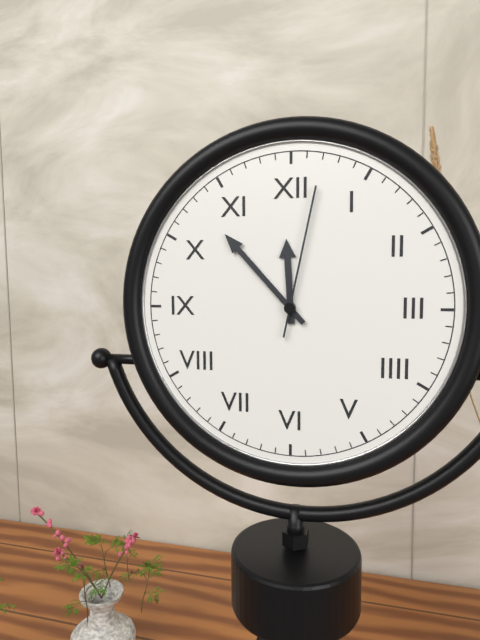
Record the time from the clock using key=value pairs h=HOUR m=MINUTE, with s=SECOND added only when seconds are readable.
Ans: h=11 m=53 s=2
